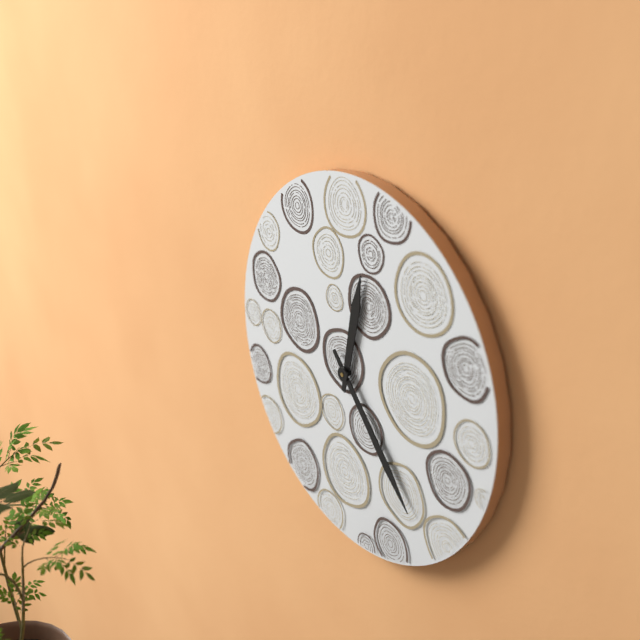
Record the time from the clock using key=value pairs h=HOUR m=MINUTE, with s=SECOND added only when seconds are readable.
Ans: h=12 m=23
